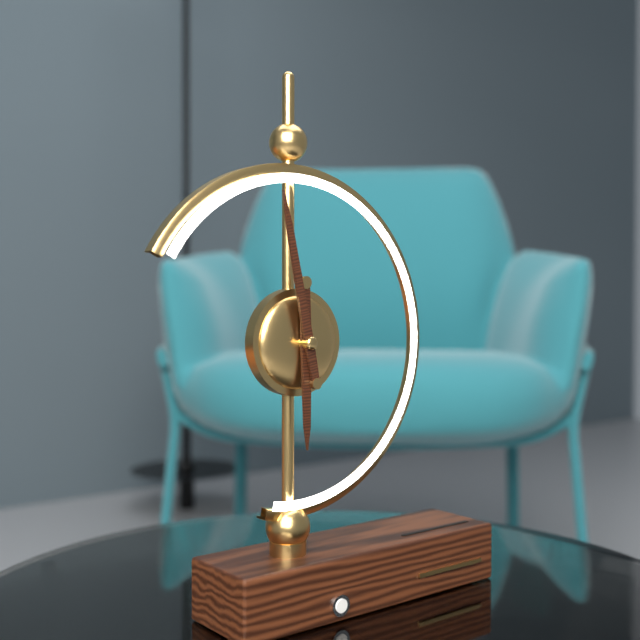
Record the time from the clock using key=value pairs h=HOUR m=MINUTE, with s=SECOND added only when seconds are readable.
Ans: h=5 m=58
